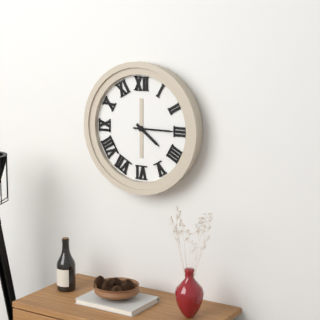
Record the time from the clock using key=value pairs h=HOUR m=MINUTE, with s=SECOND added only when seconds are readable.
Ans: h=4 m=15
